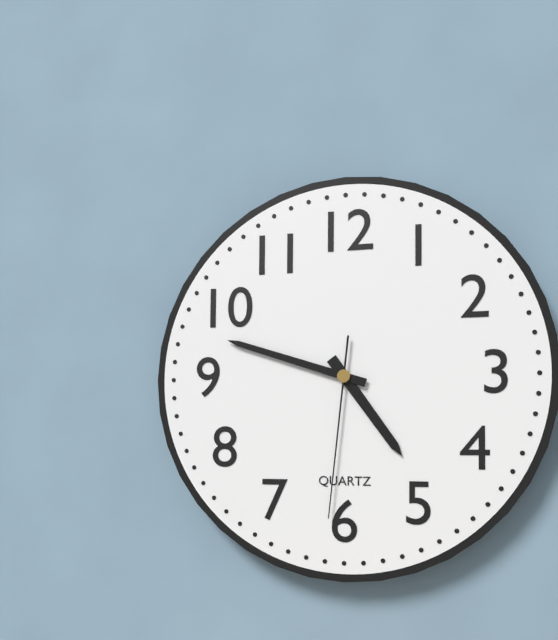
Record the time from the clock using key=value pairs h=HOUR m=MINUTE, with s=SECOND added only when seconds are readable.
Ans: h=4 m=48 s=31
